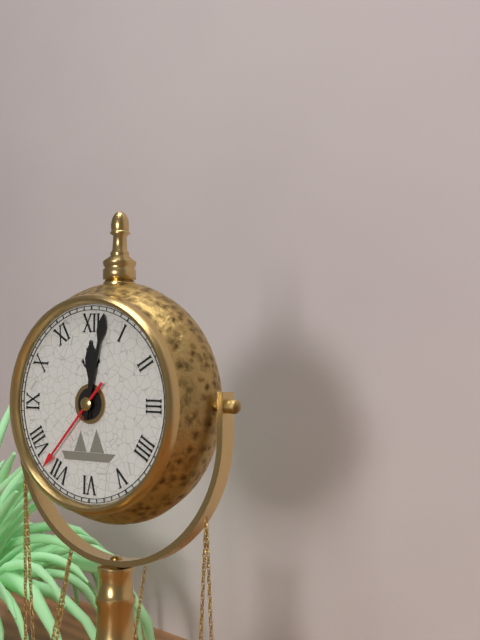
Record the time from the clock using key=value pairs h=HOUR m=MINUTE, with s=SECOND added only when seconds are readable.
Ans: h=12 m=2 s=37
